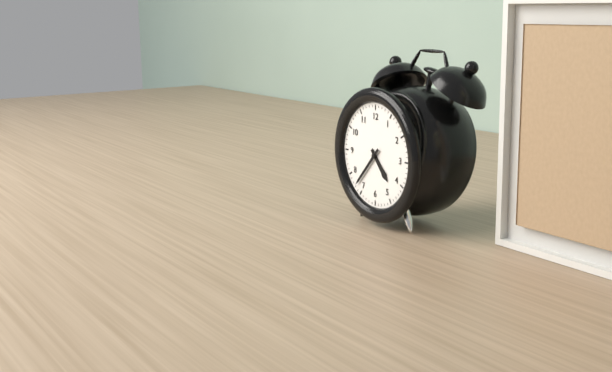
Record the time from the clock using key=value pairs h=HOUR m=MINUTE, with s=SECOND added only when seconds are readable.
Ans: h=4 m=37
